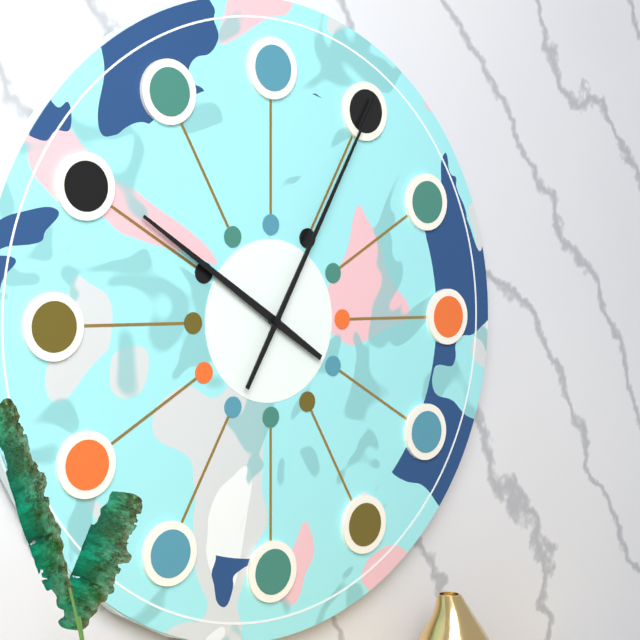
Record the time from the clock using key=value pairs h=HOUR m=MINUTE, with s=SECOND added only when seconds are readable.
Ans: h=10 m=5
